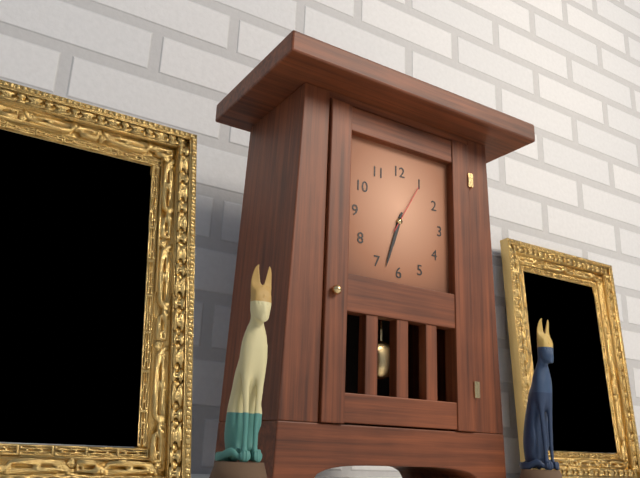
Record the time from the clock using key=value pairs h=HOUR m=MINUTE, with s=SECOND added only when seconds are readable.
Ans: h=6 m=33
